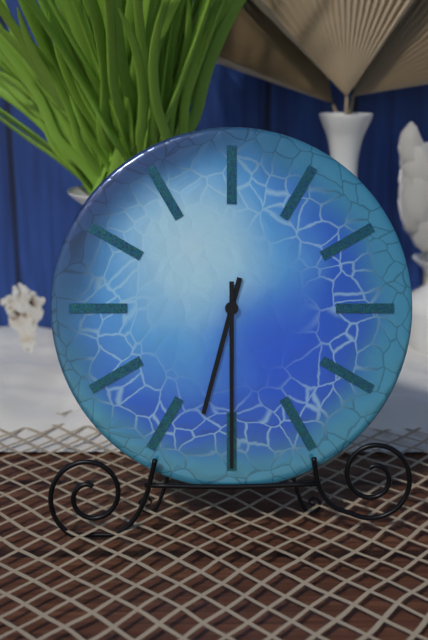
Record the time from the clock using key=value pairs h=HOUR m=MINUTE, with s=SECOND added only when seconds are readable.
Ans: h=6 m=30
